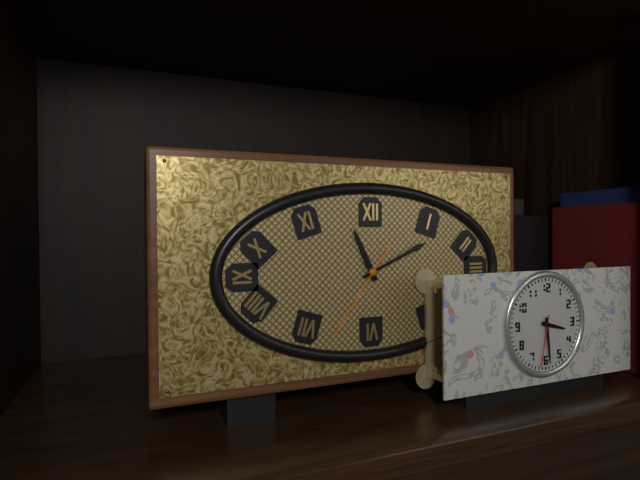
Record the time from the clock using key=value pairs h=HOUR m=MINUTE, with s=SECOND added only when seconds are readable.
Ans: h=11 m=11 s=36
